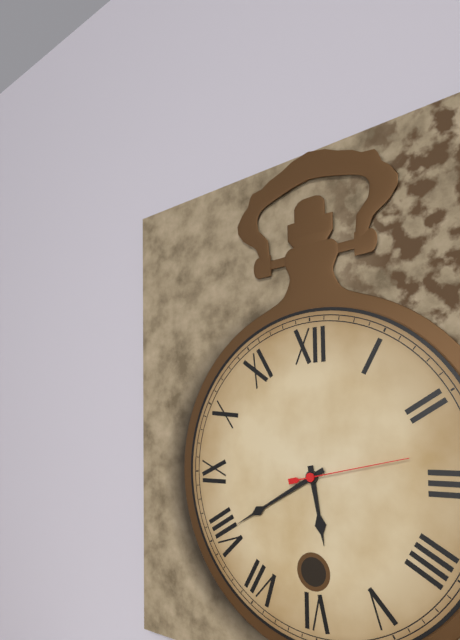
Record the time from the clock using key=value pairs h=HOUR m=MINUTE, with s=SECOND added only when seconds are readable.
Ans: h=5 m=40 s=13
